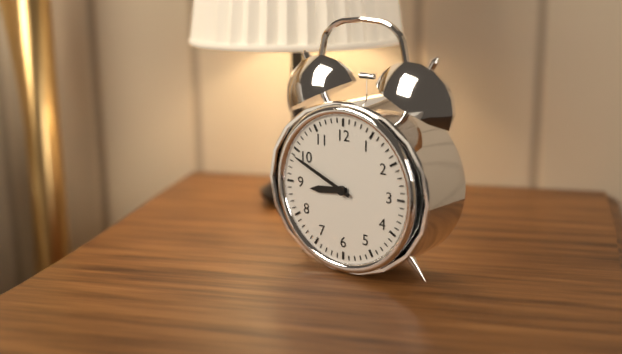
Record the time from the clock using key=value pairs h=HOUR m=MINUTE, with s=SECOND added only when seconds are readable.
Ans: h=8 m=49
